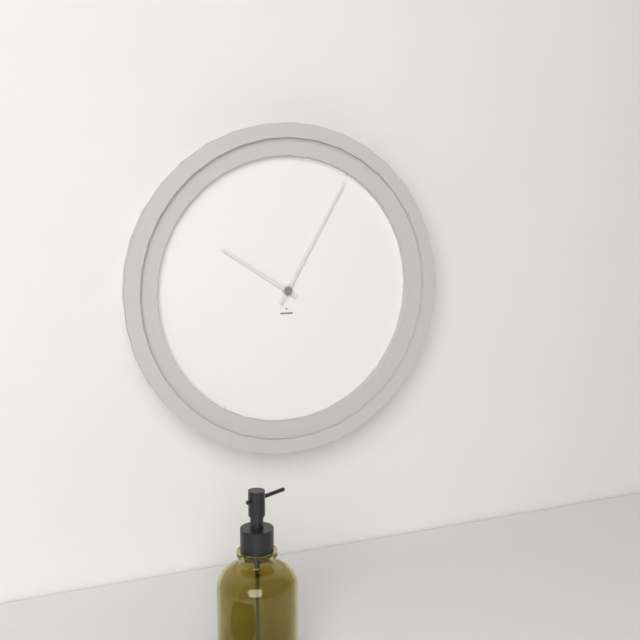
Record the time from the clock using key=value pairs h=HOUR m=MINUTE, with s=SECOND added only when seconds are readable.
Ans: h=10 m=5
